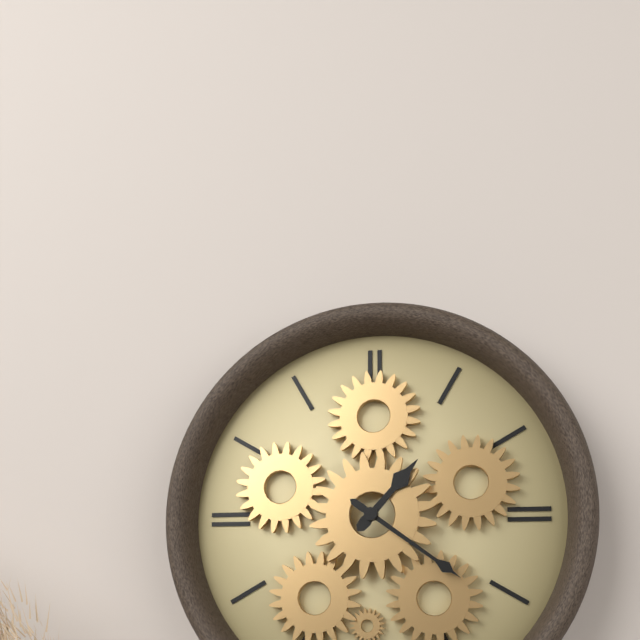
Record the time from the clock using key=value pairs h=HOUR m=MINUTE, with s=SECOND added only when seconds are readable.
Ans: h=1 m=21
